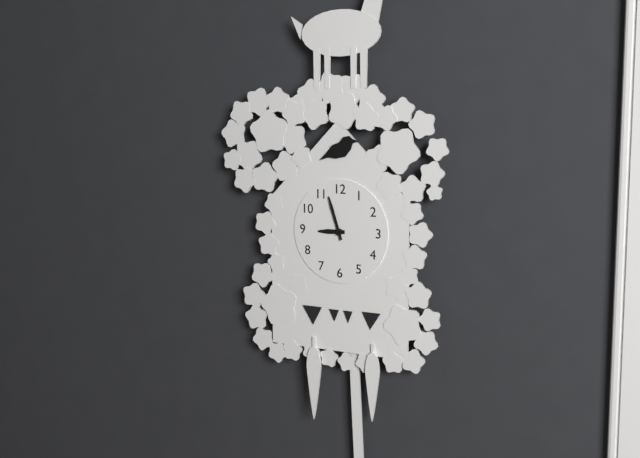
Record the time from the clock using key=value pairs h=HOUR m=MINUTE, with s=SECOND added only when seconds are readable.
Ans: h=8 m=57
